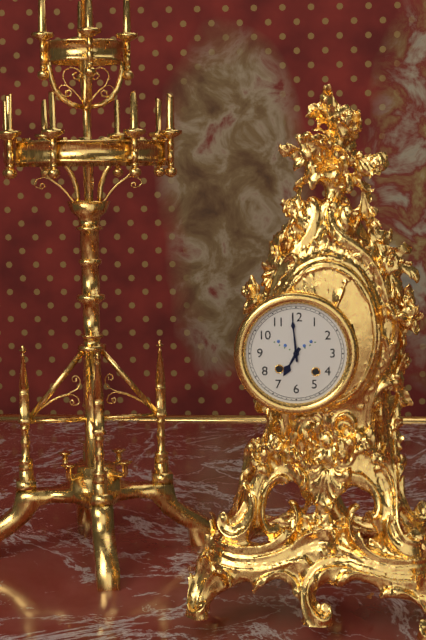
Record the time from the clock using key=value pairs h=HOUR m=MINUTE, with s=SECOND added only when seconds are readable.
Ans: h=6 m=59
